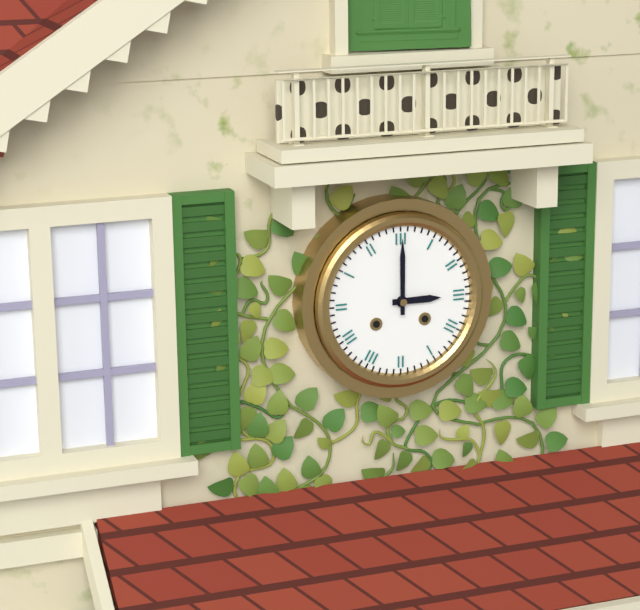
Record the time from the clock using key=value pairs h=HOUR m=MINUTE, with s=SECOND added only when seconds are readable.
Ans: h=3 m=0
